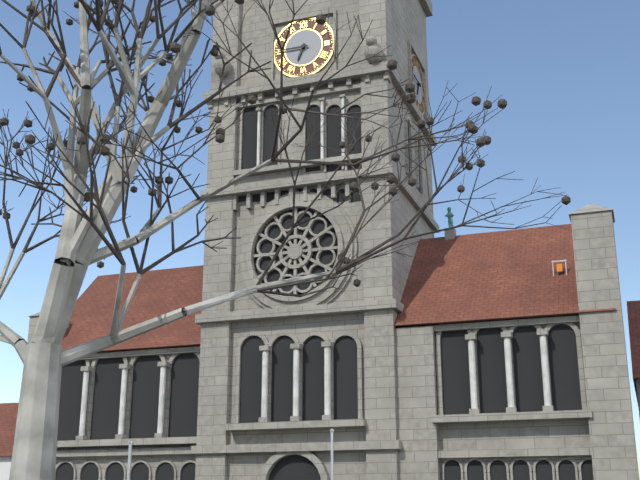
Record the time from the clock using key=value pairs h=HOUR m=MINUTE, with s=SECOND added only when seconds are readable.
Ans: h=6 m=45
